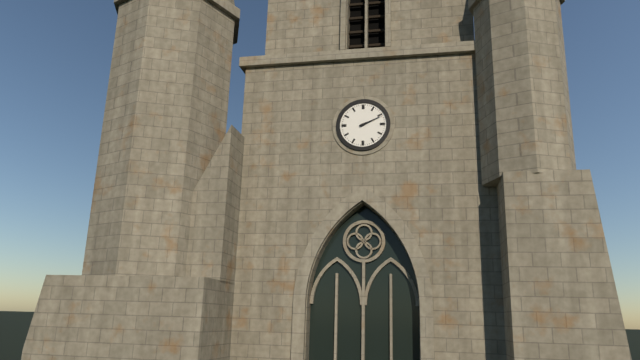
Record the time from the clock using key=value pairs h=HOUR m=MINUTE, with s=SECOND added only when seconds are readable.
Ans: h=2 m=11
